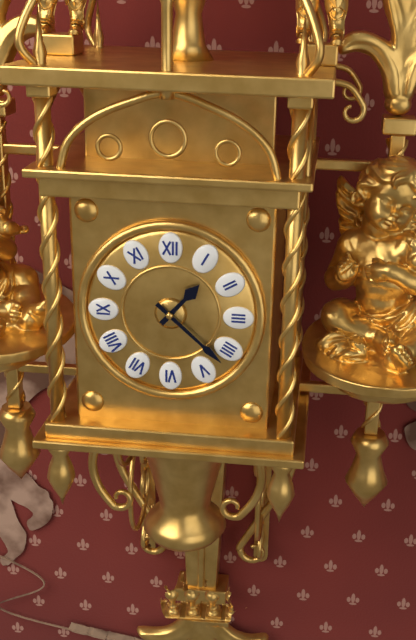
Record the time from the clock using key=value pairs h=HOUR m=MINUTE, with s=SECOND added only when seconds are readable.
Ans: h=1 m=22
